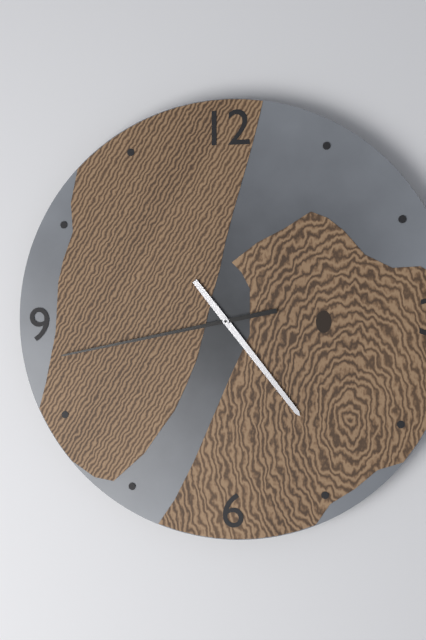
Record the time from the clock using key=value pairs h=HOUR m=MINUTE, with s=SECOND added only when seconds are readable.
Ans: h=4 m=43
